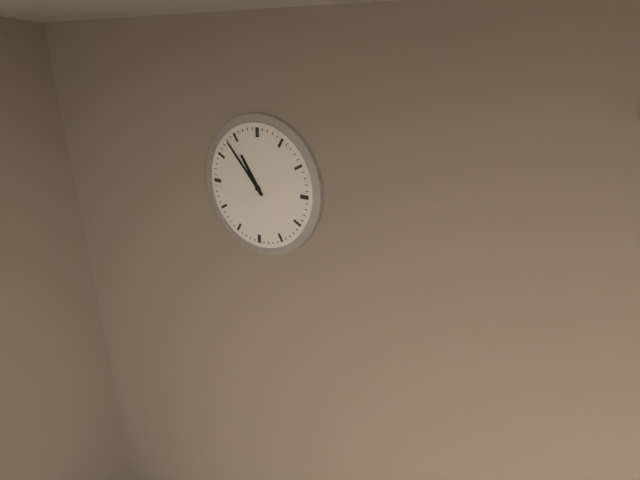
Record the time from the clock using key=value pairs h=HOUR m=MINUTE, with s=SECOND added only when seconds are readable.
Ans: h=10 m=53
